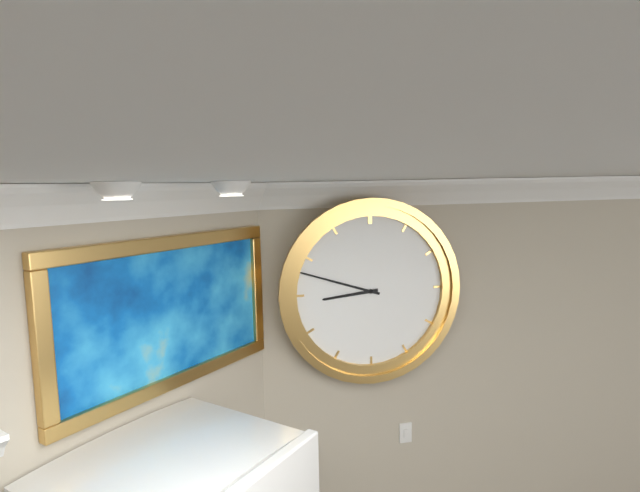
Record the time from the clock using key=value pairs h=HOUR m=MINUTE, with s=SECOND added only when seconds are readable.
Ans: h=8 m=48
